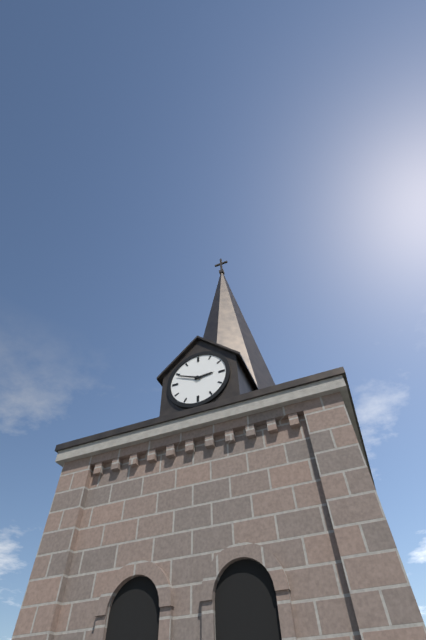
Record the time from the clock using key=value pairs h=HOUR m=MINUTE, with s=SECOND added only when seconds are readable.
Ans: h=2 m=49
